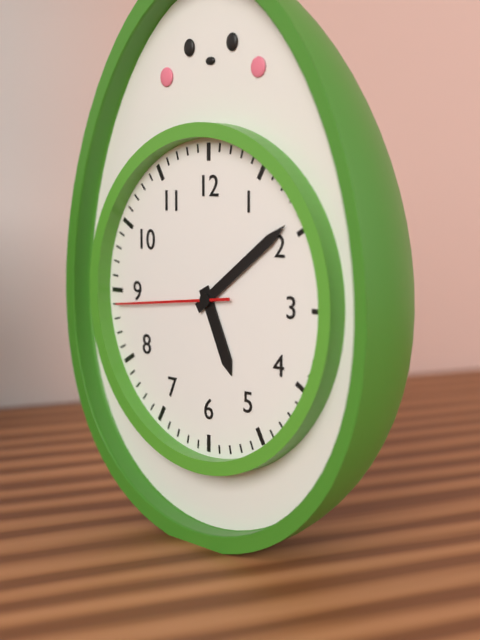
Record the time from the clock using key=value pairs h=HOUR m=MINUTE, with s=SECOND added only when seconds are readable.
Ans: h=5 m=9 s=44
